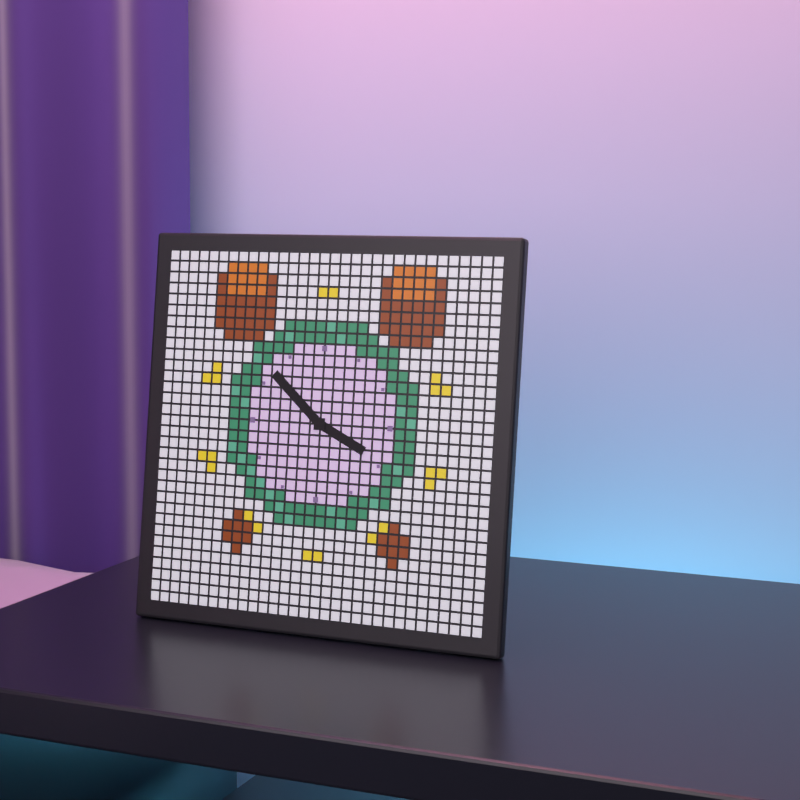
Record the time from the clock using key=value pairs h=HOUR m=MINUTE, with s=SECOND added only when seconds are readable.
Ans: h=3 m=52
